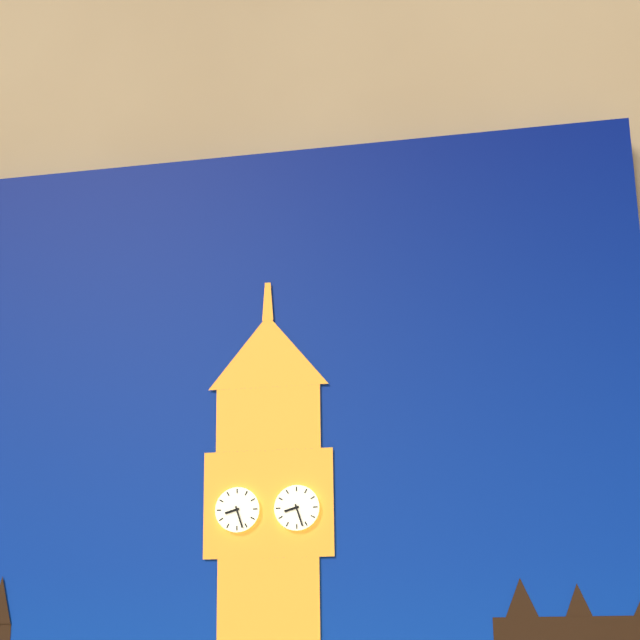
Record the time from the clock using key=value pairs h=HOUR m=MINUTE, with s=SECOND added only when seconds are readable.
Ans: h=8 m=27
